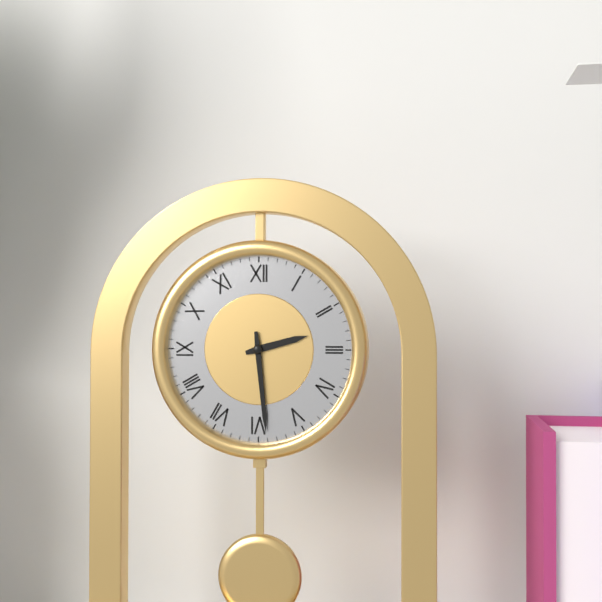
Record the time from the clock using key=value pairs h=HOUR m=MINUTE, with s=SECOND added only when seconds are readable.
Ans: h=2 m=29
